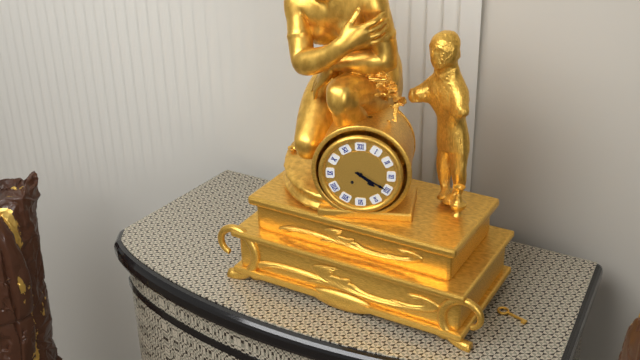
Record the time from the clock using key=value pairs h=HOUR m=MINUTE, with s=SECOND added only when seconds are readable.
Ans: h=4 m=20
